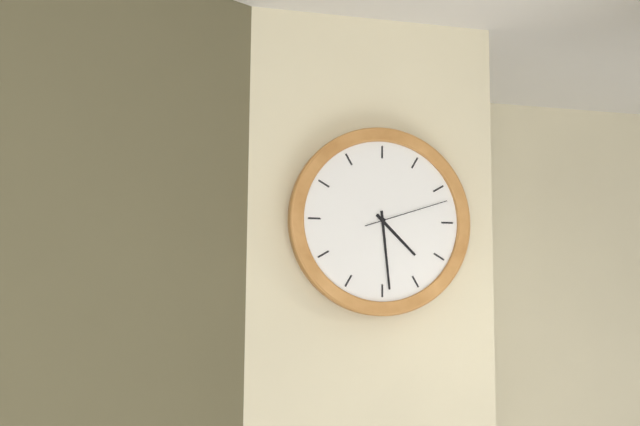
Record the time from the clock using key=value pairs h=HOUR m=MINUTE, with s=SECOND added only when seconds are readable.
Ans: h=4 m=29 s=12
